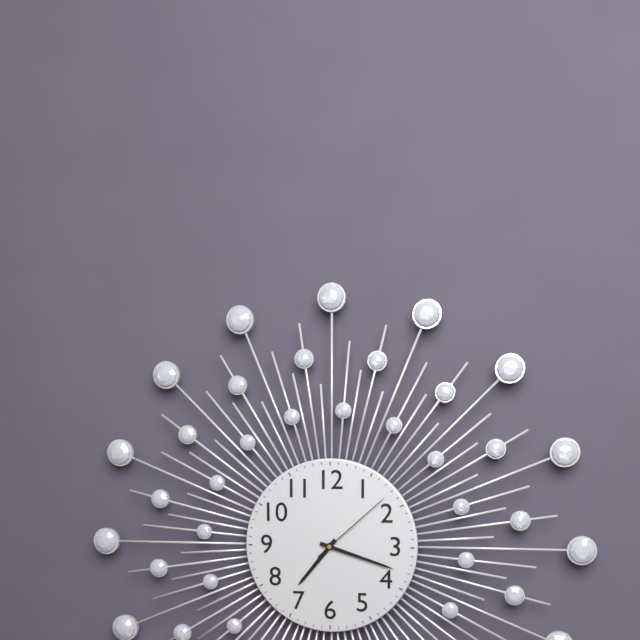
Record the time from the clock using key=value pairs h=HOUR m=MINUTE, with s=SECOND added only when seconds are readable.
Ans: h=7 m=18 s=8
